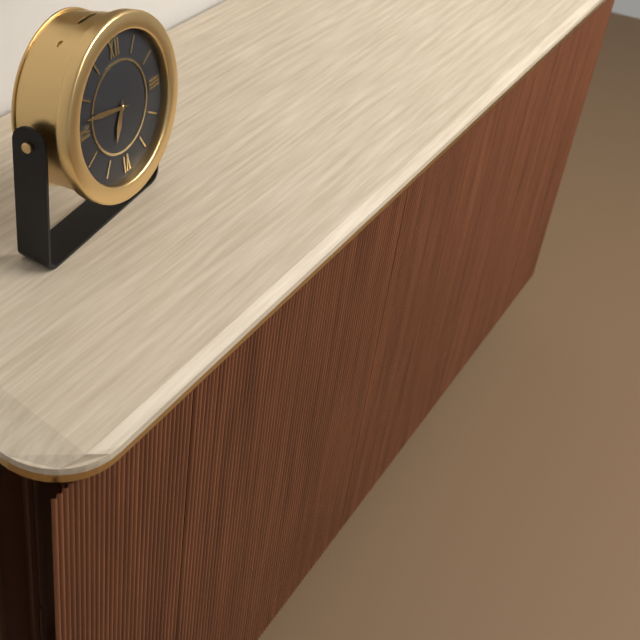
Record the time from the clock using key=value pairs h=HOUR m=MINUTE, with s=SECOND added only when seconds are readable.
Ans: h=6 m=47
